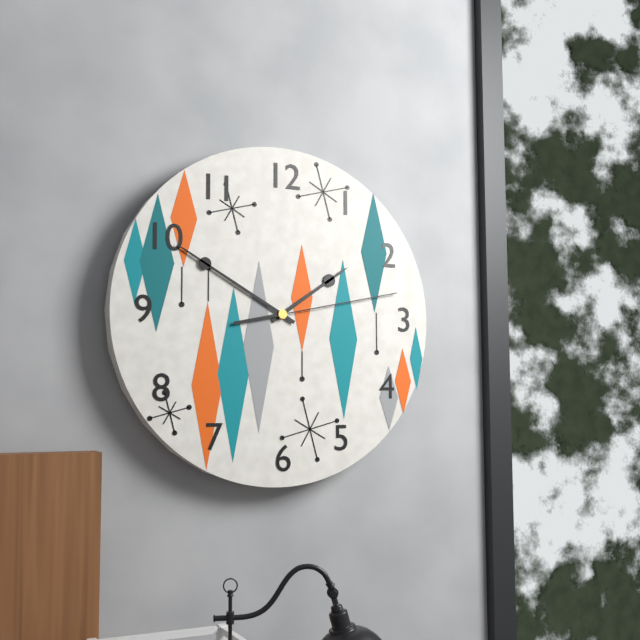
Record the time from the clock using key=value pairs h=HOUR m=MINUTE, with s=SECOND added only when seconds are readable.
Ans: h=1 m=50 s=13
